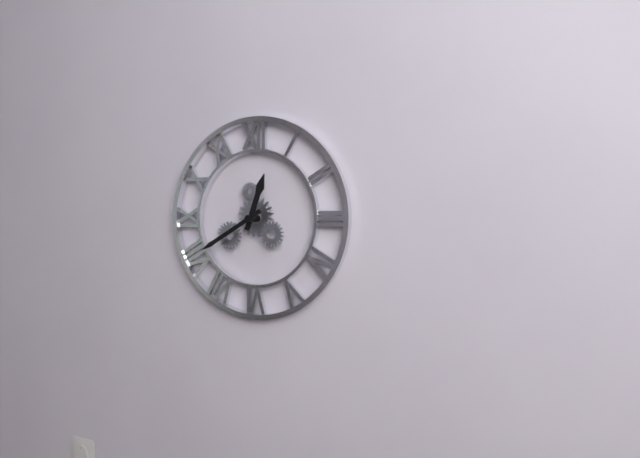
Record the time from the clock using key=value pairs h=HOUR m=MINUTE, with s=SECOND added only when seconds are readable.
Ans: h=12 m=40
